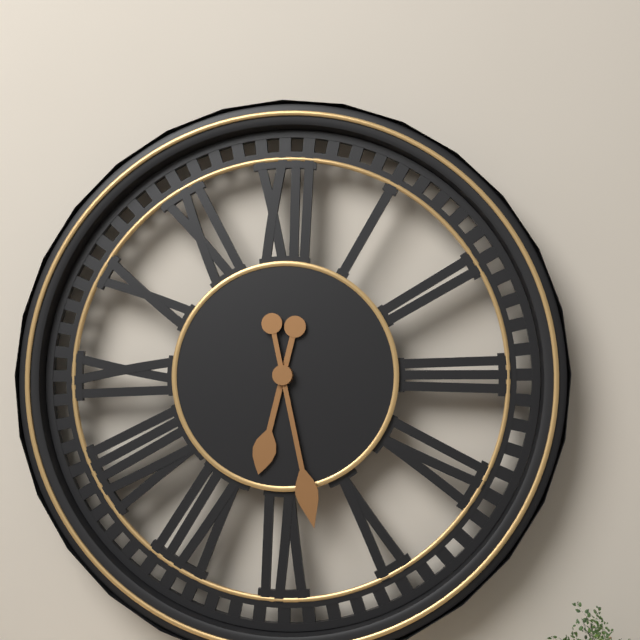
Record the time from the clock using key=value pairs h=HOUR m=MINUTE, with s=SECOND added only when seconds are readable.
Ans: h=6 m=28
